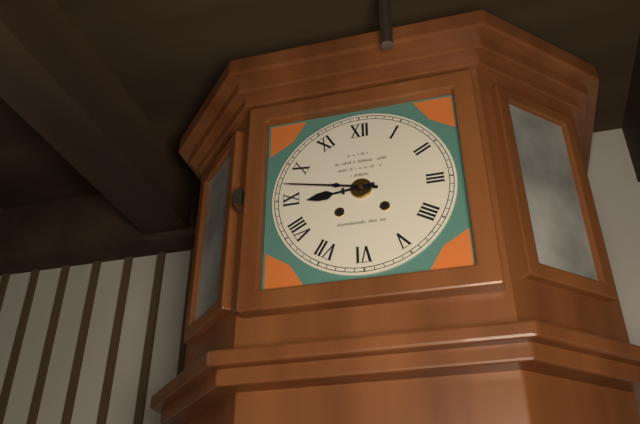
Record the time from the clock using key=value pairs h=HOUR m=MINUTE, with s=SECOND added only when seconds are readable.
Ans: h=8 m=47
